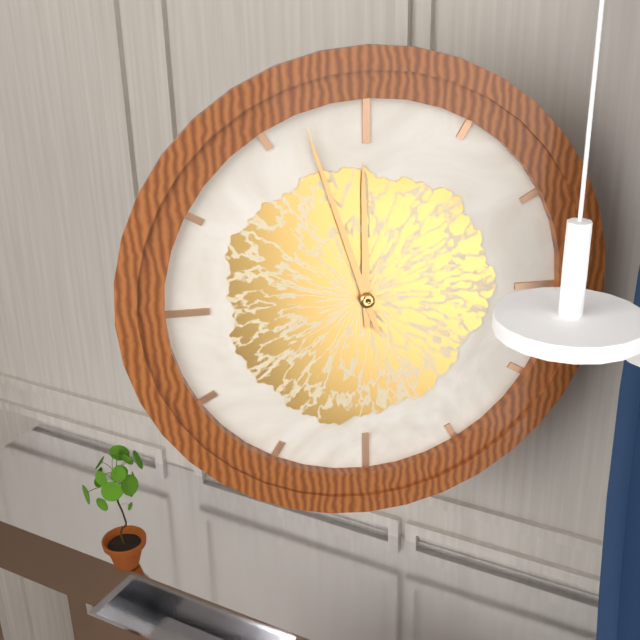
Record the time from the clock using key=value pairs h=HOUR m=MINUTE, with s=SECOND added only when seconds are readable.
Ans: h=11 m=57
